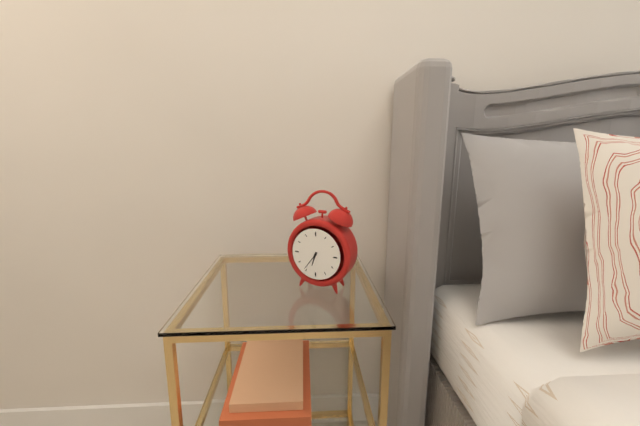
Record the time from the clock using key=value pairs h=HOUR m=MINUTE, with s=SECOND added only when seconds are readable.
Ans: h=6 m=36
